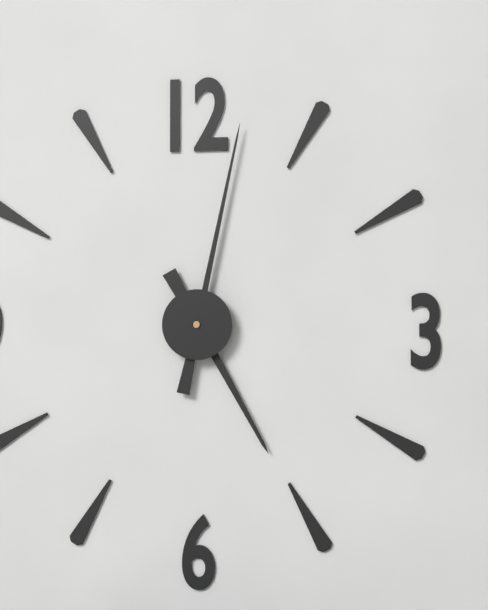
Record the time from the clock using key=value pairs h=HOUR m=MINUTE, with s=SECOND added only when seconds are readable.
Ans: h=5 m=2
